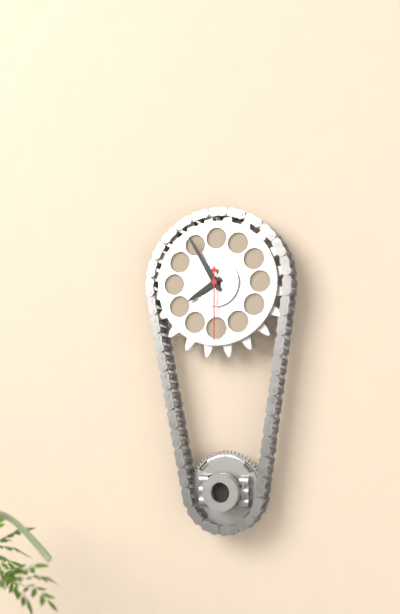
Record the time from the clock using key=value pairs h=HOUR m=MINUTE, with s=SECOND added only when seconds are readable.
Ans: h=7 m=55 s=30
